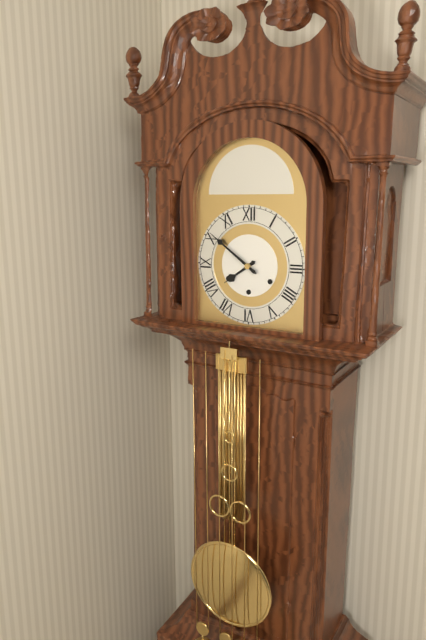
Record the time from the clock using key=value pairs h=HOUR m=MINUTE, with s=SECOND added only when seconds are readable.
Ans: h=7 m=51
